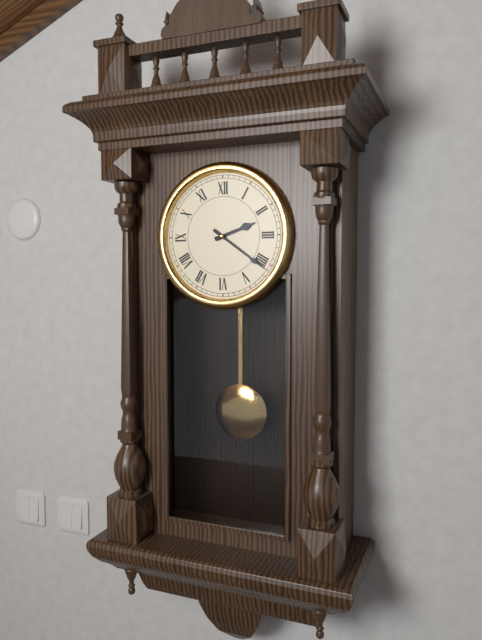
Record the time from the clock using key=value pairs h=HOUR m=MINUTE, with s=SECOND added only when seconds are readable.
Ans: h=2 m=21
